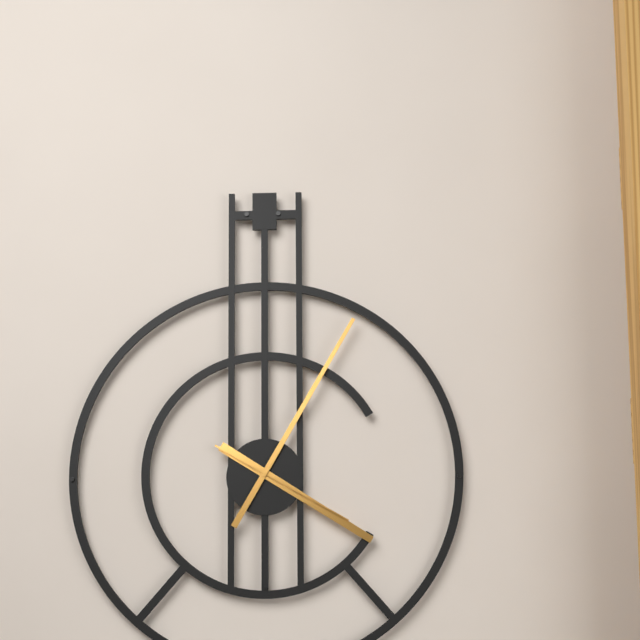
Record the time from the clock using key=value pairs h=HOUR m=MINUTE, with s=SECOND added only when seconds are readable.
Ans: h=4 m=5 s=20
